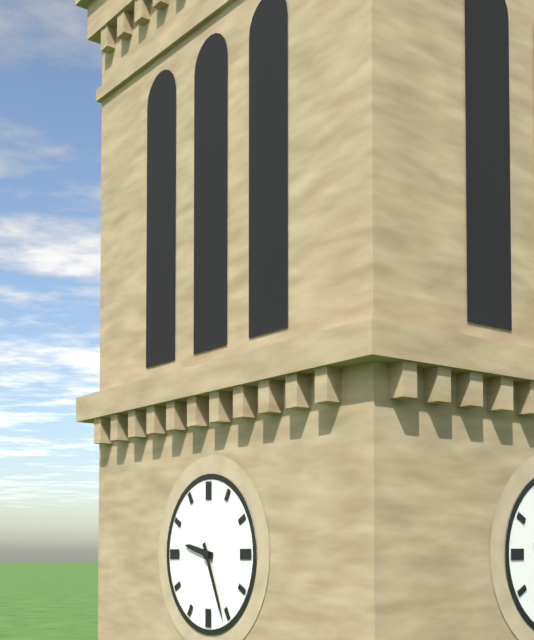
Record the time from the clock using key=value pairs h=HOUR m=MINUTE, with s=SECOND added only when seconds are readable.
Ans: h=9 m=26
